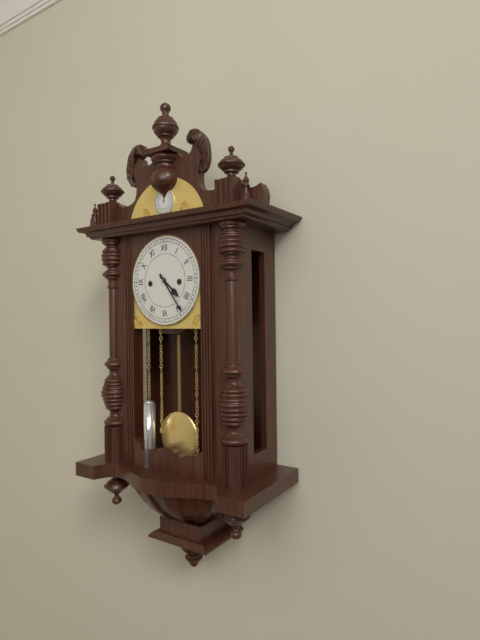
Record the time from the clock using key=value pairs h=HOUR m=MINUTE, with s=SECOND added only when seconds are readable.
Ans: h=4 m=24
